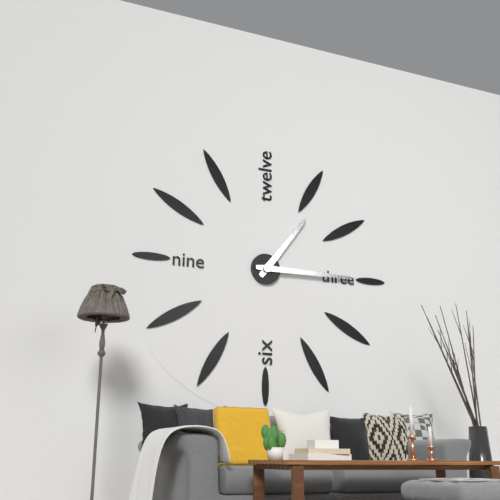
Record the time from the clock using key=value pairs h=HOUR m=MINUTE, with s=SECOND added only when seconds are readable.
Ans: h=1 m=15
